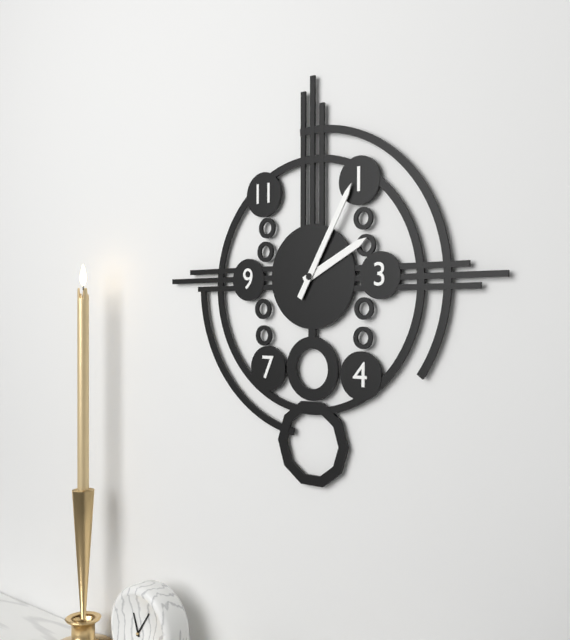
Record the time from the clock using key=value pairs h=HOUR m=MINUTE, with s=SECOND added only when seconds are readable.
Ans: h=2 m=5
